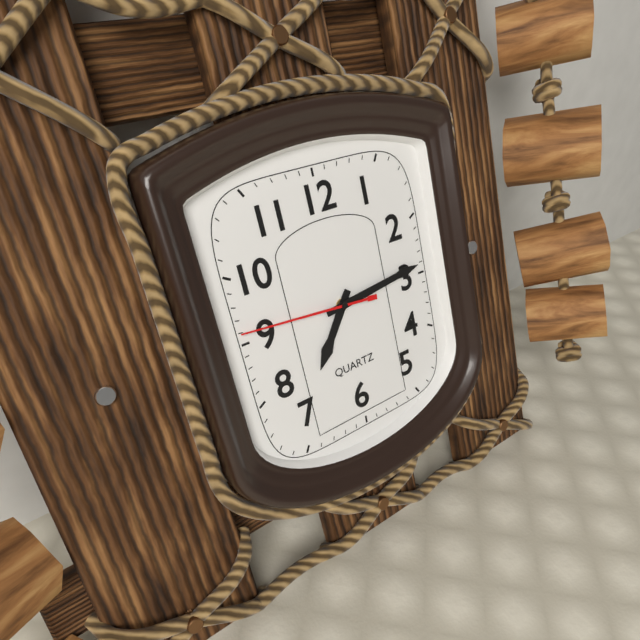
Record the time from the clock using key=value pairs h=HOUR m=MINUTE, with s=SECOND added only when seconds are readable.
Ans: h=7 m=14 s=46
